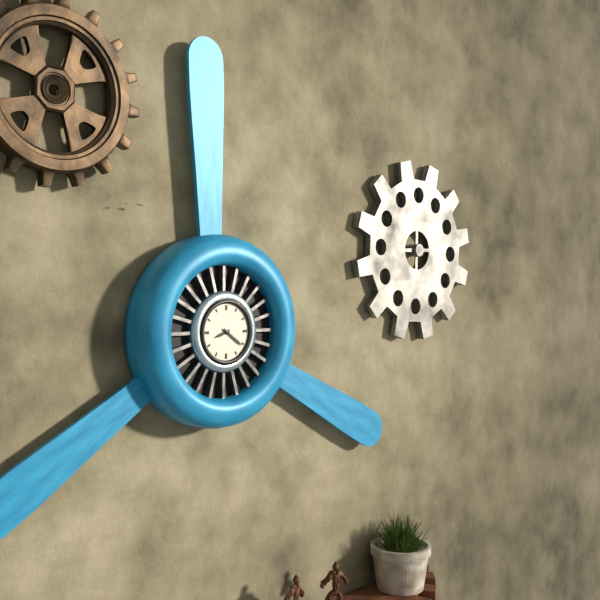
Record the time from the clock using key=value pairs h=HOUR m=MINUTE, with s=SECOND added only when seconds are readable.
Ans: h=8 m=21
